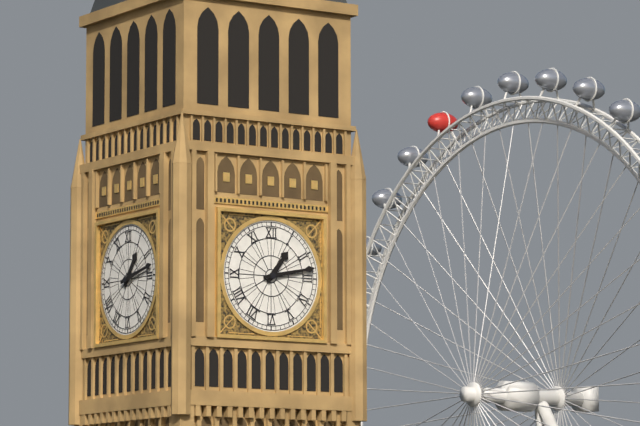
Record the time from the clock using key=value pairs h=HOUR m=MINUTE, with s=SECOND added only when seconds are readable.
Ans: h=1 m=13
